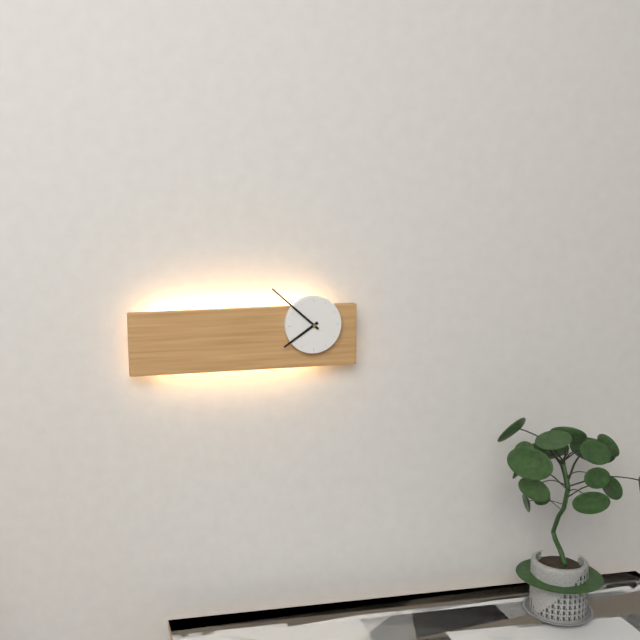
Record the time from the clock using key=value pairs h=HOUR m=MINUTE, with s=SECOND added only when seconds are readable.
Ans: h=7 m=52
